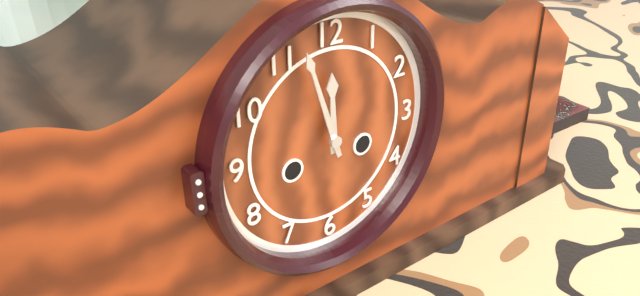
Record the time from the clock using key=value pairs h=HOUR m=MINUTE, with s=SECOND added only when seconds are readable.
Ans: h=11 m=57
